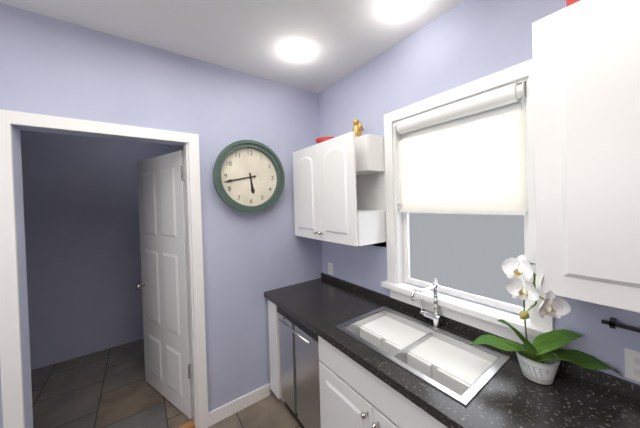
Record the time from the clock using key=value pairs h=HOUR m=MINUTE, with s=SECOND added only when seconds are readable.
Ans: h=5 m=43
